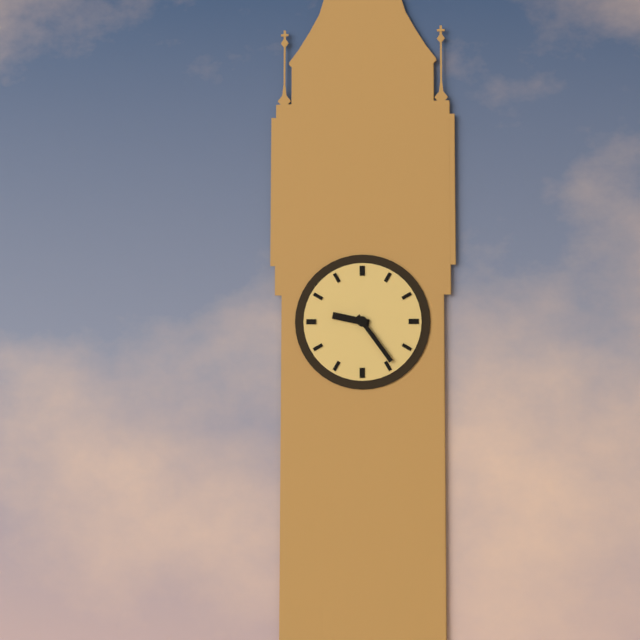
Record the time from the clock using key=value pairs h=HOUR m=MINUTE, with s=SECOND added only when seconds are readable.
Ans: h=9 m=24
